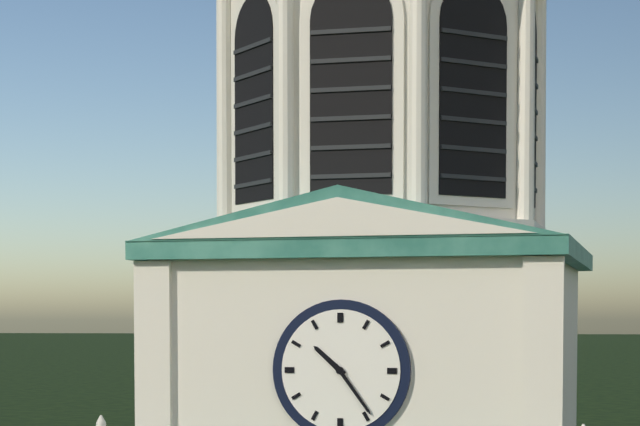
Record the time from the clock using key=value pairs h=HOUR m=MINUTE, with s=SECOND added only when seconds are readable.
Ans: h=10 m=24
